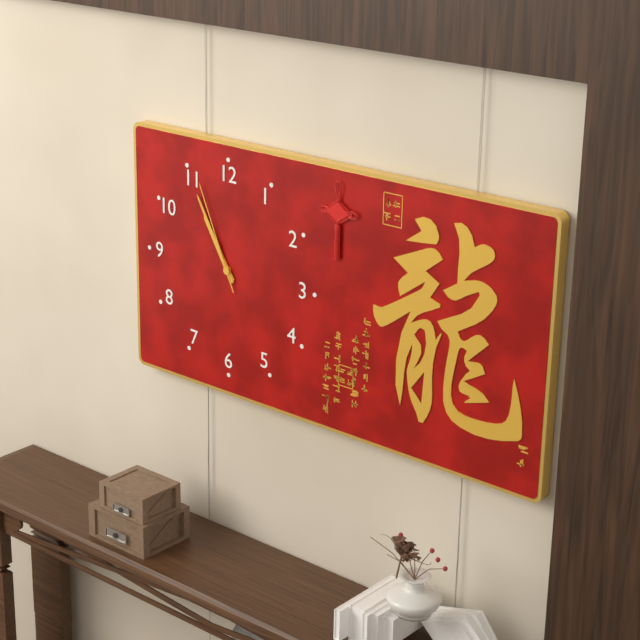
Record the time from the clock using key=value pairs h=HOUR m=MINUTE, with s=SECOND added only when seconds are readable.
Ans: h=10 m=55 s=56
